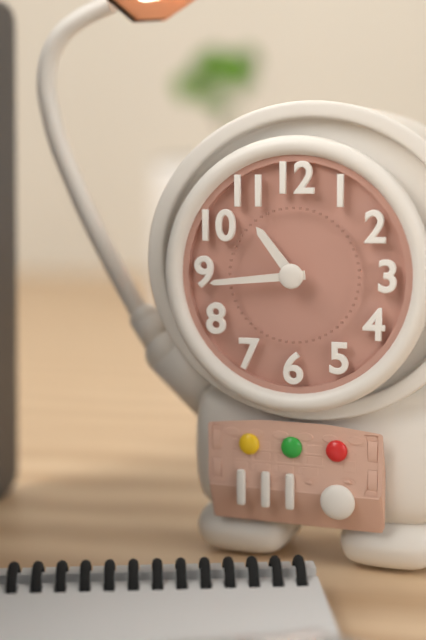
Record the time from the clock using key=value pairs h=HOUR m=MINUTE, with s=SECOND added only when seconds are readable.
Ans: h=10 m=44
